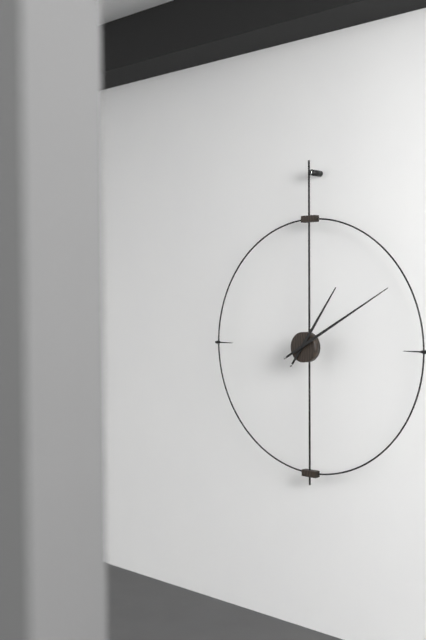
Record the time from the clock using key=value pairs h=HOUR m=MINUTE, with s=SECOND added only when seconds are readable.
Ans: h=1 m=10
